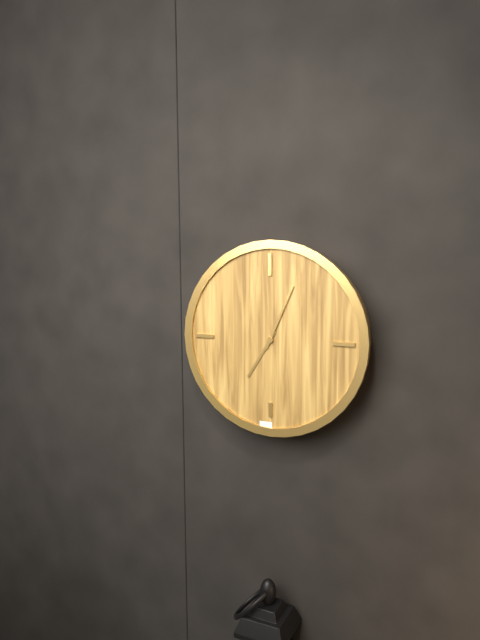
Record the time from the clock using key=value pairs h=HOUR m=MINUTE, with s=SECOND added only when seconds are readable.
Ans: h=7 m=4
